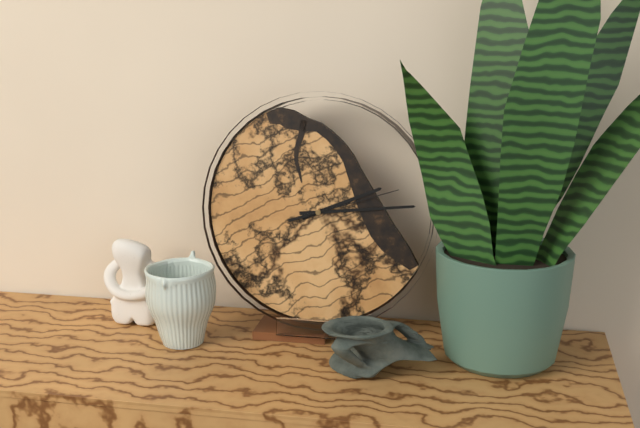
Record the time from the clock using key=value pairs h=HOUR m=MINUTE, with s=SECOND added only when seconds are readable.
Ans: h=2 m=14 s=12
